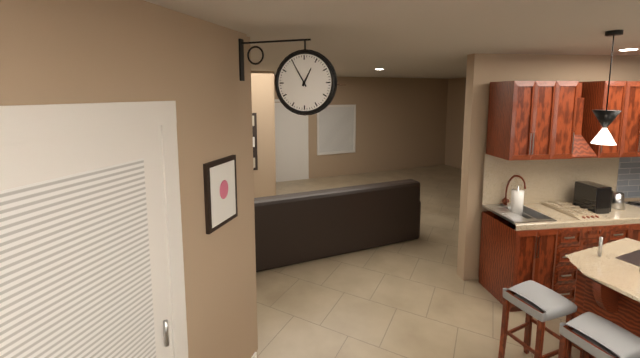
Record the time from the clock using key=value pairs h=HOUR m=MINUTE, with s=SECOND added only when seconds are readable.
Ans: h=12 m=55
